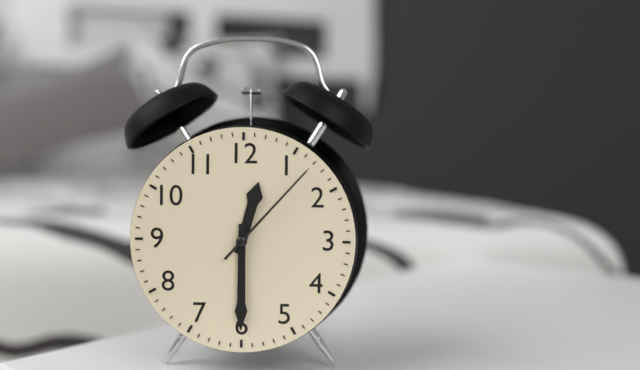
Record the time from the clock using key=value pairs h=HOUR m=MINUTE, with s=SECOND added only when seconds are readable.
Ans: h=12 m=30 s=7
